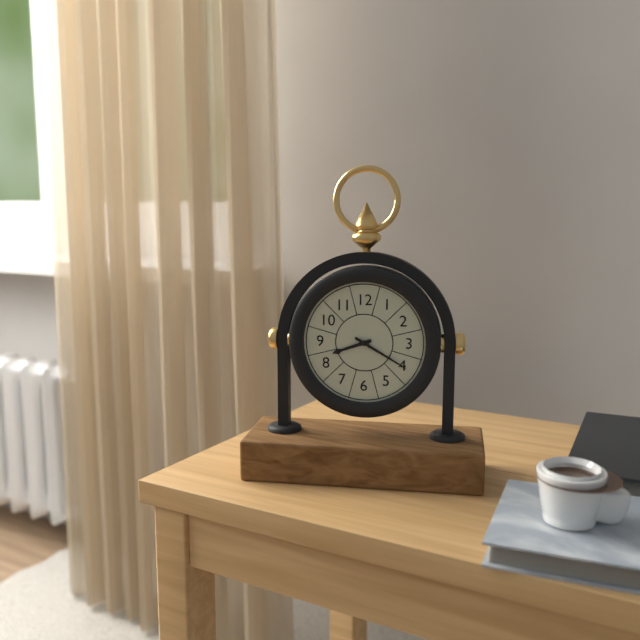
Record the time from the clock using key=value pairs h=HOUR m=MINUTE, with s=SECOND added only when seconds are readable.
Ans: h=8 m=20
